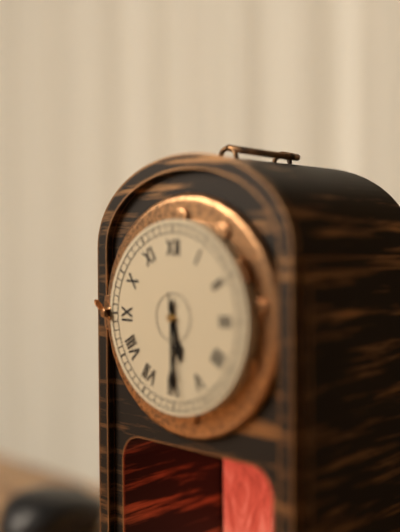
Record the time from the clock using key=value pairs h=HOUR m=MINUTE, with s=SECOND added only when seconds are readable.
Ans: h=5 m=30 s=29
